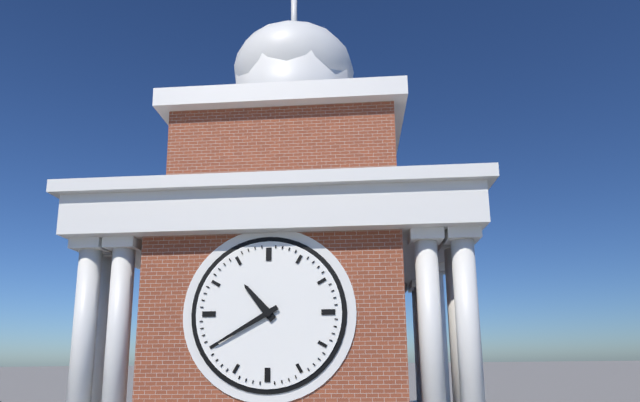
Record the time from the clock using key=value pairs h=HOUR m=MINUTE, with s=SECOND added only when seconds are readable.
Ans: h=10 m=40
